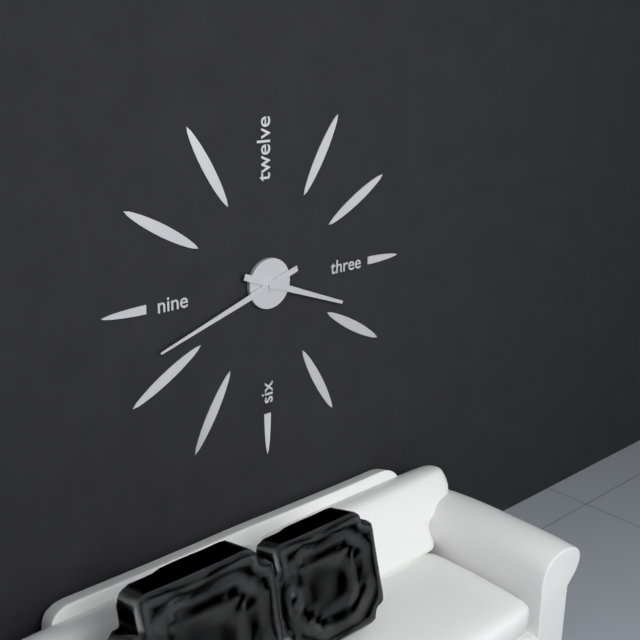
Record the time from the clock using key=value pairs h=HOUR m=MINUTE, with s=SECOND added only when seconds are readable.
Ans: h=3 m=42
